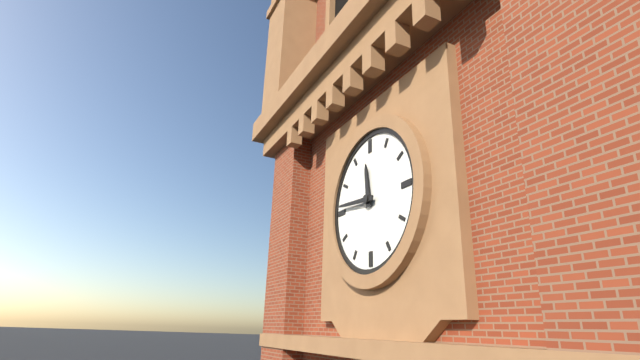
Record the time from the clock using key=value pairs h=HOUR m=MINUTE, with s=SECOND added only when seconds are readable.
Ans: h=11 m=46
